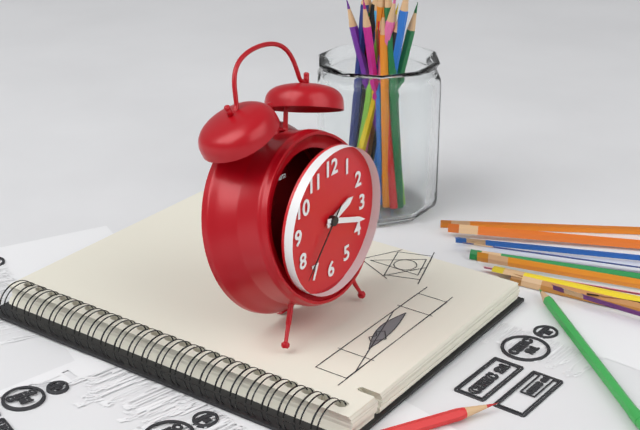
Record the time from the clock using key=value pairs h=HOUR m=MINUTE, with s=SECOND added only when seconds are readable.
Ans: h=2 m=18 s=37
